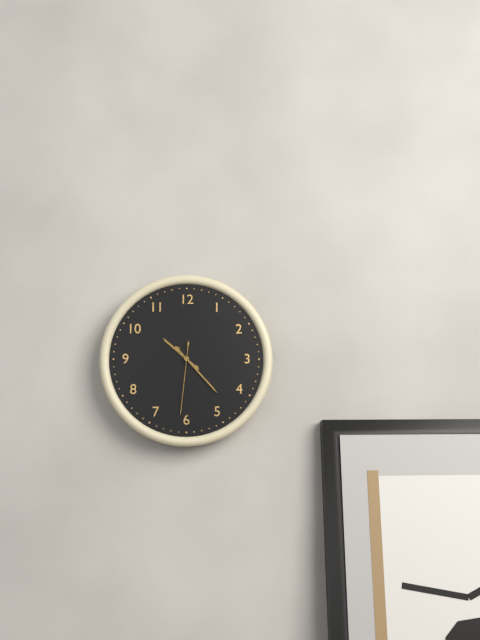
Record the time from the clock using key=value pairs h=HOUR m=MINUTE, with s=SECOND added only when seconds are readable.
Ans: h=10 m=23 s=31
